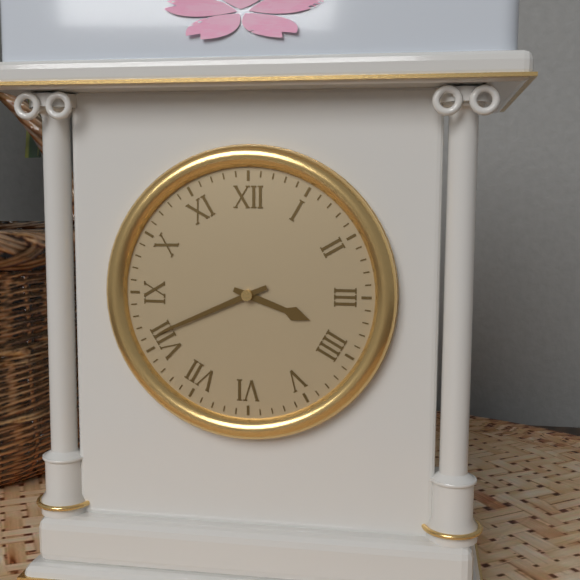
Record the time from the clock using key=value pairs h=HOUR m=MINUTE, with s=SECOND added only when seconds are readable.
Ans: h=3 m=41
